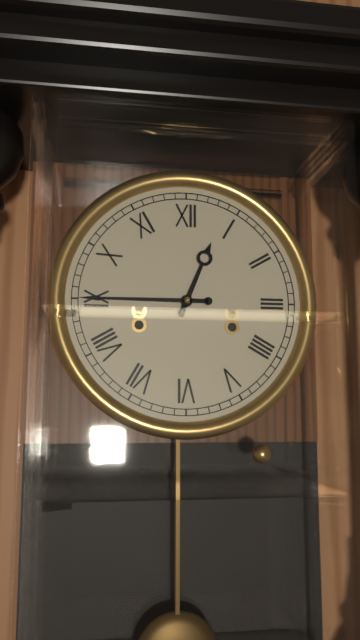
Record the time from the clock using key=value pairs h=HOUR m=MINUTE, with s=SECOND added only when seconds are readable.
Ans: h=12 m=45
